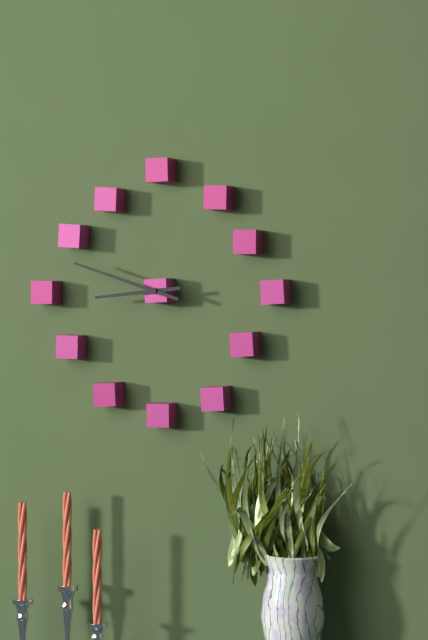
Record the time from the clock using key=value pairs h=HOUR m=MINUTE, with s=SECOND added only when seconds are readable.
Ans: h=8 m=48
